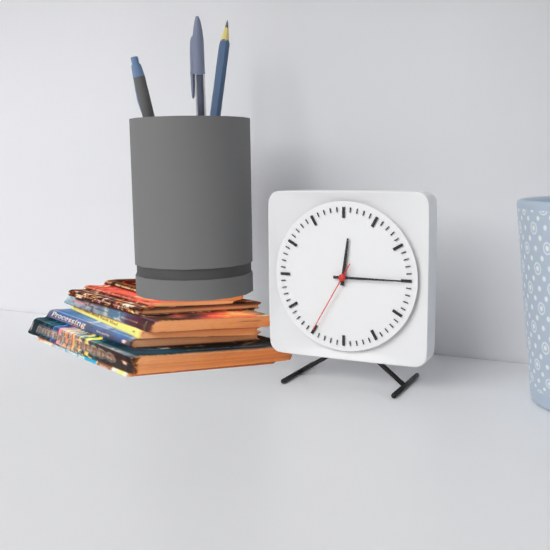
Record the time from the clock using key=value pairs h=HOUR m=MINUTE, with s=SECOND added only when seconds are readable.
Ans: h=12 m=15 s=35
